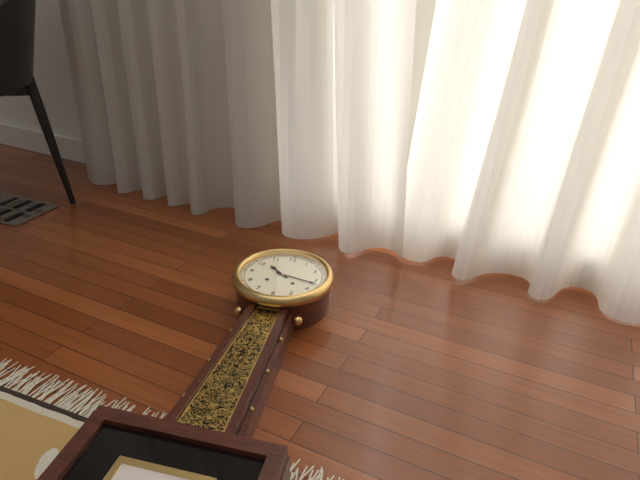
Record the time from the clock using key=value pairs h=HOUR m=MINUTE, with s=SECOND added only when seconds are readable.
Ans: h=10 m=17
